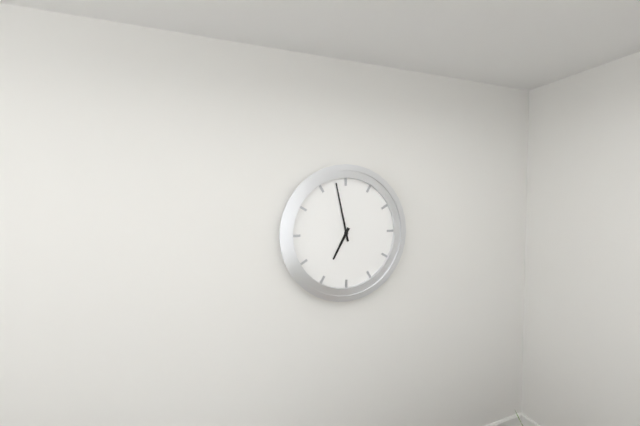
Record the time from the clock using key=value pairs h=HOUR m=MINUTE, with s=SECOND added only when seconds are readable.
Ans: h=6 m=58
